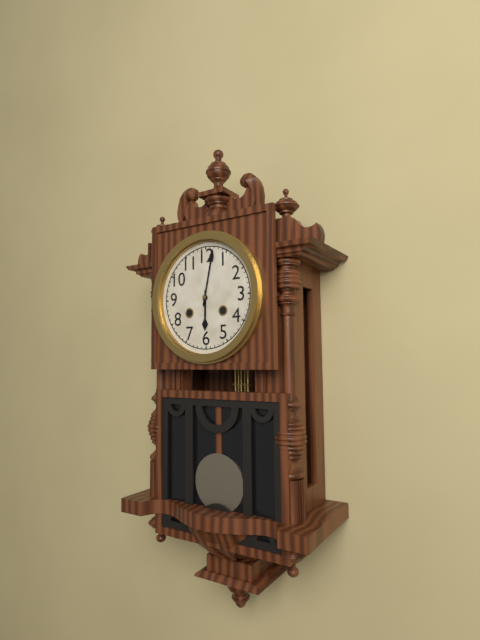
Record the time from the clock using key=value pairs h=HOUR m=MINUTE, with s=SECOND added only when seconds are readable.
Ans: h=6 m=2
